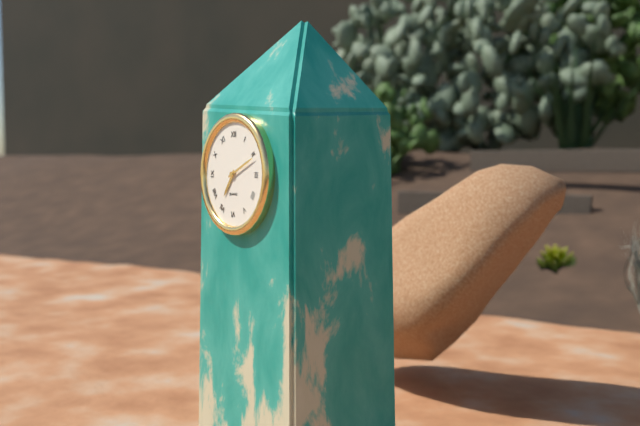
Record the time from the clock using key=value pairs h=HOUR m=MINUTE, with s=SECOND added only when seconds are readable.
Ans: h=7 m=11
